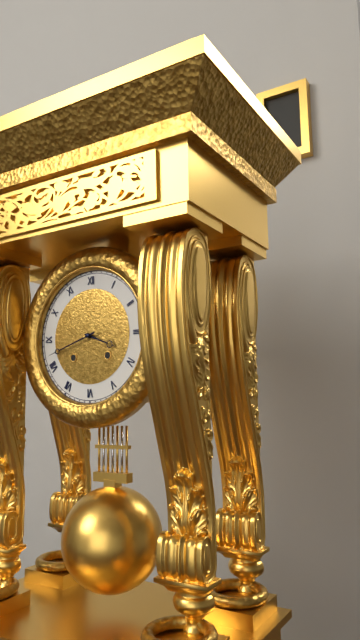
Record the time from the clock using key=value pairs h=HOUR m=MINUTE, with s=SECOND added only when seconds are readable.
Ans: h=3 m=42
